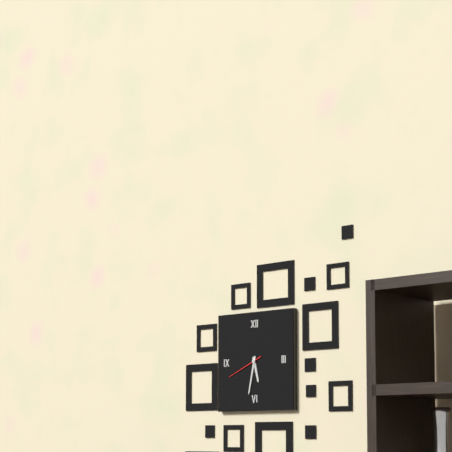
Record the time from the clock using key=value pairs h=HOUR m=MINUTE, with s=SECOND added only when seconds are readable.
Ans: h=5 m=32
